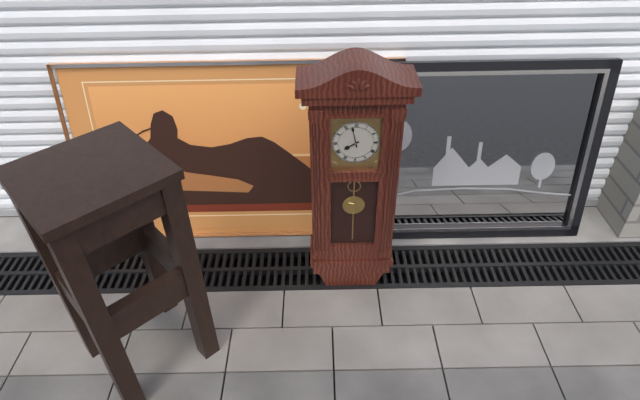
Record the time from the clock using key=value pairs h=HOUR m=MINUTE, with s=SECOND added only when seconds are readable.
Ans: h=7 m=58
